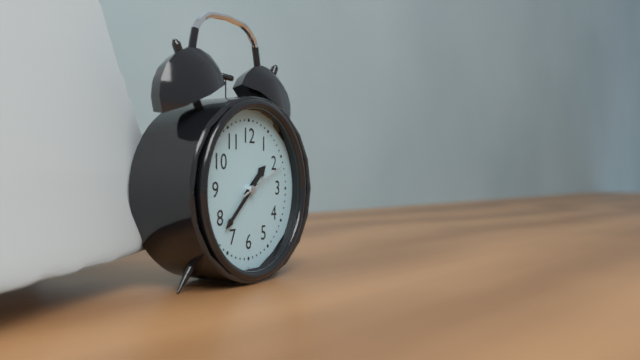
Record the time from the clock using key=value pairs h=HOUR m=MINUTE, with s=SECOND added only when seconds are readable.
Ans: h=1 m=38 s=11
